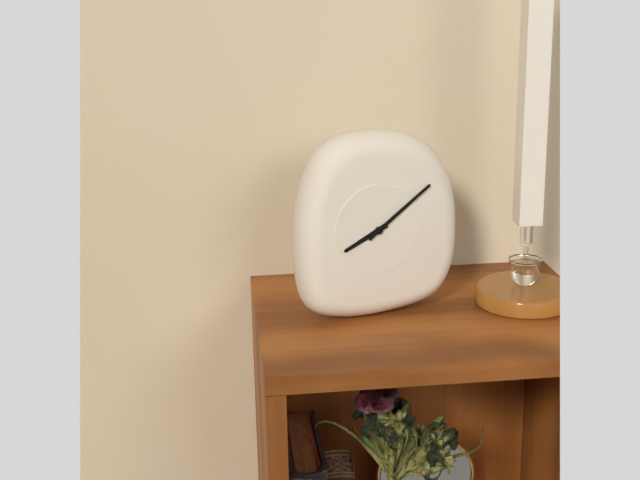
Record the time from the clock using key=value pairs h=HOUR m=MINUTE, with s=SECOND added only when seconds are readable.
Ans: h=8 m=9
